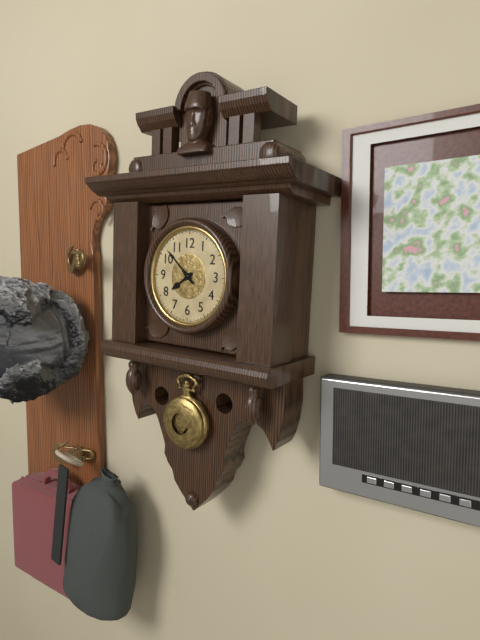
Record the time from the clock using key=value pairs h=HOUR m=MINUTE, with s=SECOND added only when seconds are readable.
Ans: h=7 m=52
